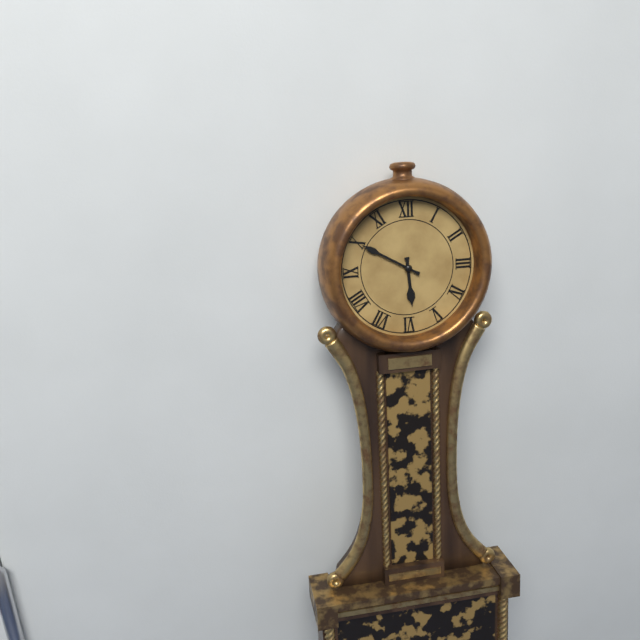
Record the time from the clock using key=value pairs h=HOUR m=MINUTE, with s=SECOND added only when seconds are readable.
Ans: h=5 m=50
